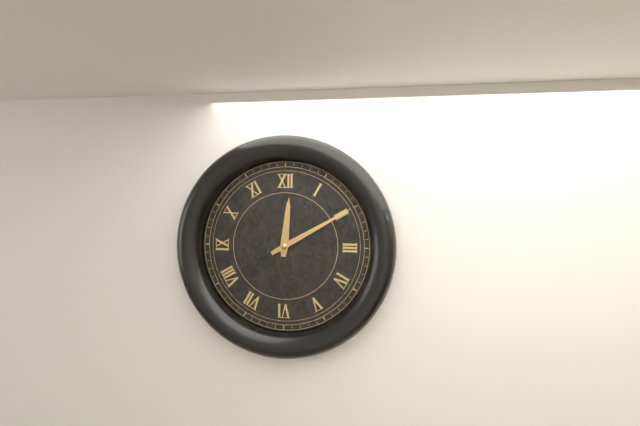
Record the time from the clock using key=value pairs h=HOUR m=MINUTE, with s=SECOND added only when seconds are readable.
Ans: h=12 m=10
